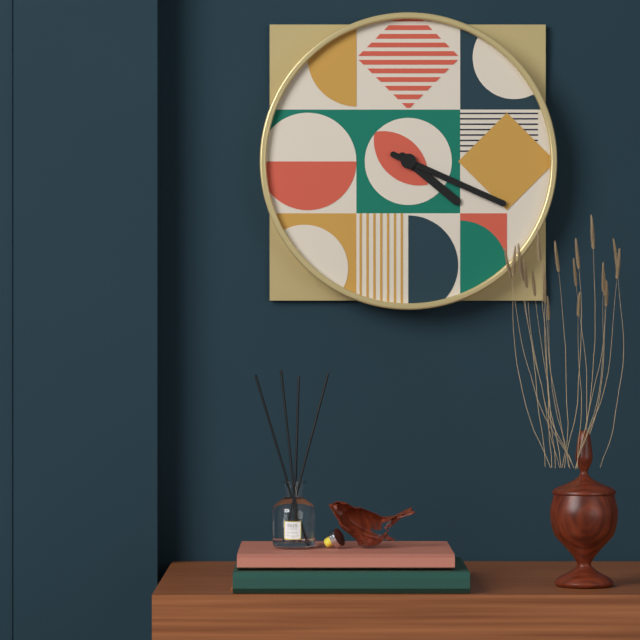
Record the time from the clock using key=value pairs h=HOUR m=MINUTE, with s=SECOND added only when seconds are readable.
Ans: h=4 m=19
